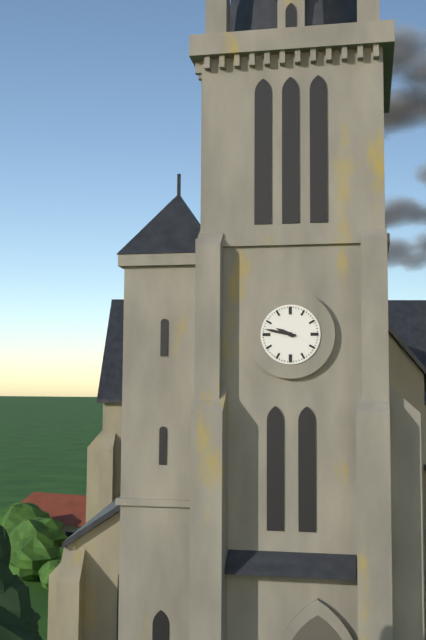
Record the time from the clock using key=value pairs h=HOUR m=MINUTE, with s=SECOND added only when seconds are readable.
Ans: h=9 m=47
